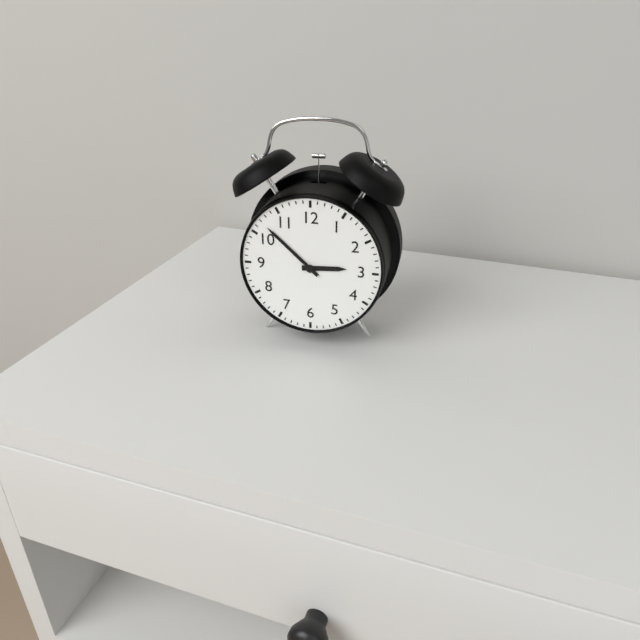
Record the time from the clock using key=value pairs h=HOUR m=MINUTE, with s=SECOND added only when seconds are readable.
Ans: h=2 m=52
